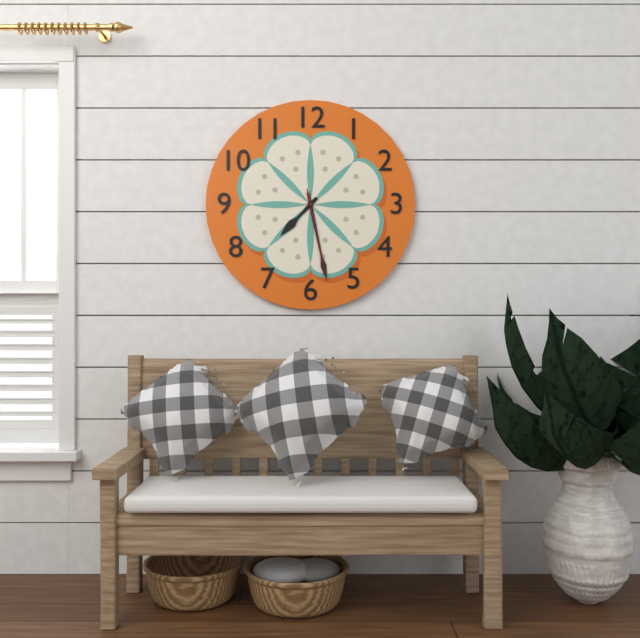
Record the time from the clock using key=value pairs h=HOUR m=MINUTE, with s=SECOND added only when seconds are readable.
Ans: h=7 m=28 s=28
